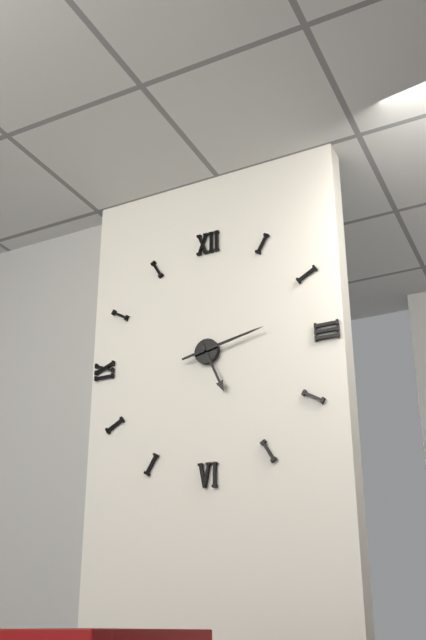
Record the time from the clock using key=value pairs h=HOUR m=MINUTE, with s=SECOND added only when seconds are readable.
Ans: h=5 m=13
